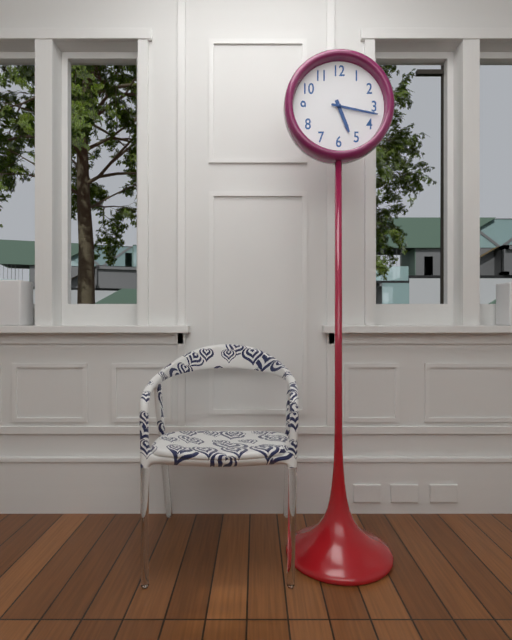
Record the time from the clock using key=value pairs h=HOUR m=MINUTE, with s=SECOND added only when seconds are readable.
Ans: h=5 m=17
